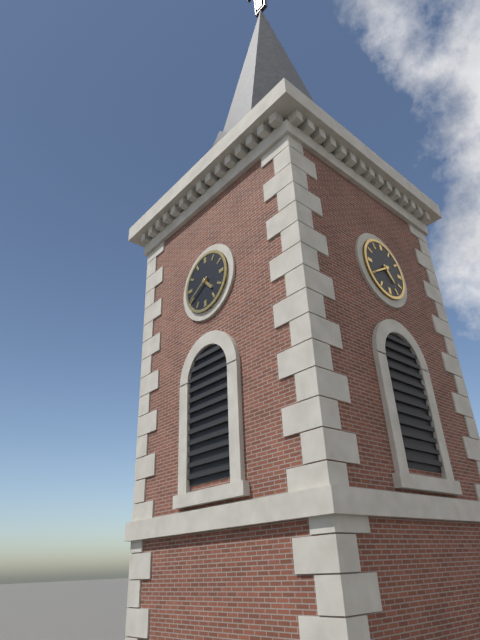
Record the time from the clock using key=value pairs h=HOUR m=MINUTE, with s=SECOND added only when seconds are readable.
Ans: h=4 m=40
